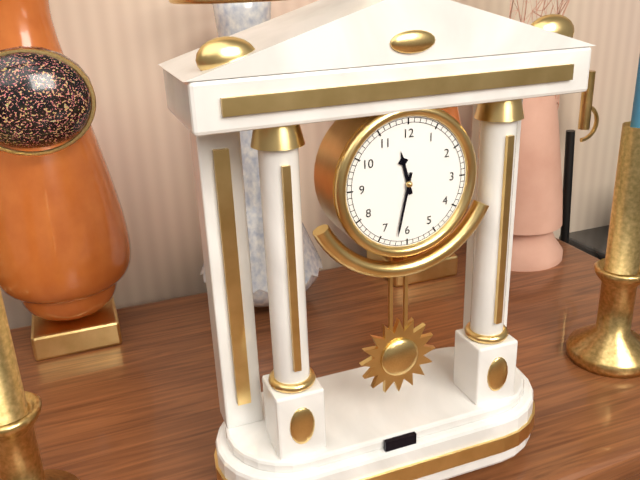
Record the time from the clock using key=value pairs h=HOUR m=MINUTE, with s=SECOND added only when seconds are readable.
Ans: h=11 m=32
